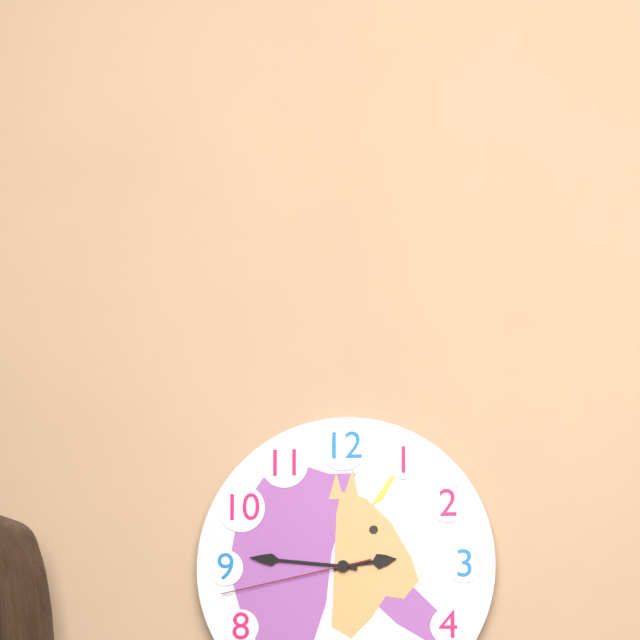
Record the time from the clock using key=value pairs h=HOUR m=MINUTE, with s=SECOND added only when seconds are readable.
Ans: h=2 m=46 s=43
